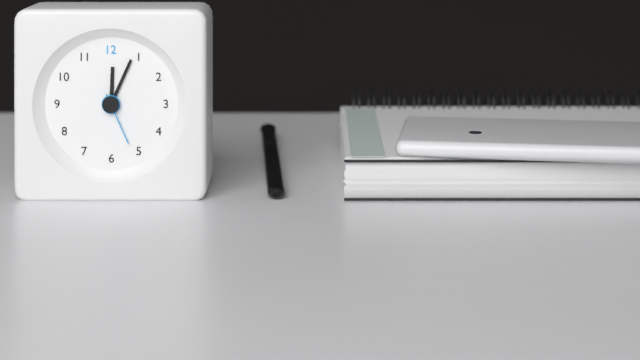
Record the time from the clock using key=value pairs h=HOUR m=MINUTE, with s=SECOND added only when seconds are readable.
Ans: h=12 m=4 s=26
